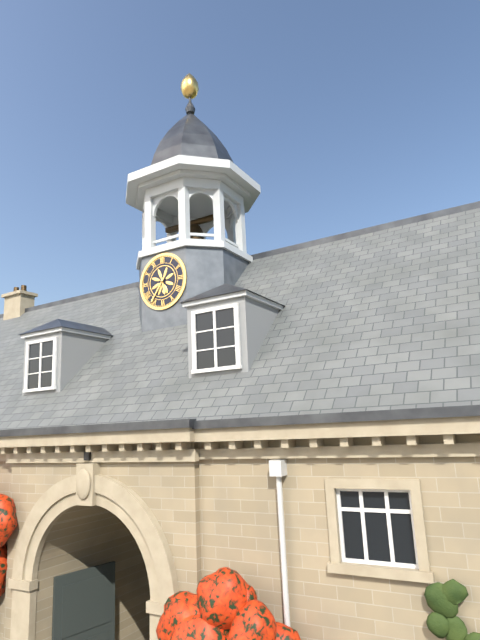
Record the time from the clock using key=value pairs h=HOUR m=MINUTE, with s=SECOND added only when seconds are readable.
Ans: h=5 m=36
